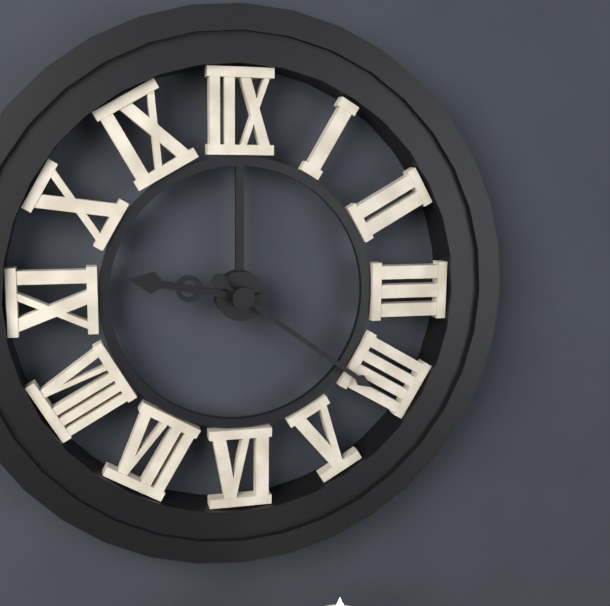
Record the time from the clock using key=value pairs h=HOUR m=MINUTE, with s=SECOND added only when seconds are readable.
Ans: h=9 m=21
